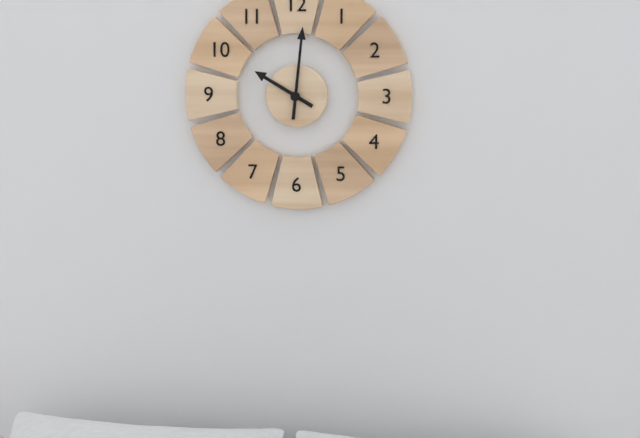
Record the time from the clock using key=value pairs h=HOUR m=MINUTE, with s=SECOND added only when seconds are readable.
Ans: h=10 m=1
